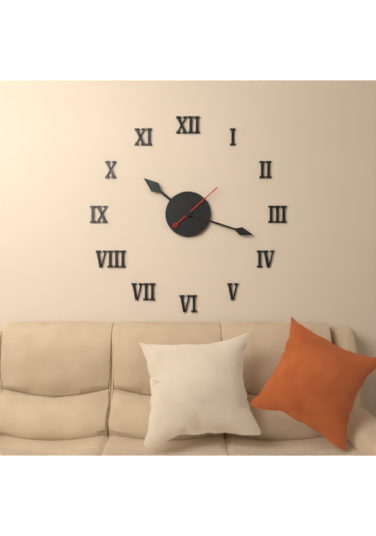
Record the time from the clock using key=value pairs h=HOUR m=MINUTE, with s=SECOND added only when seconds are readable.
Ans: h=10 m=18
